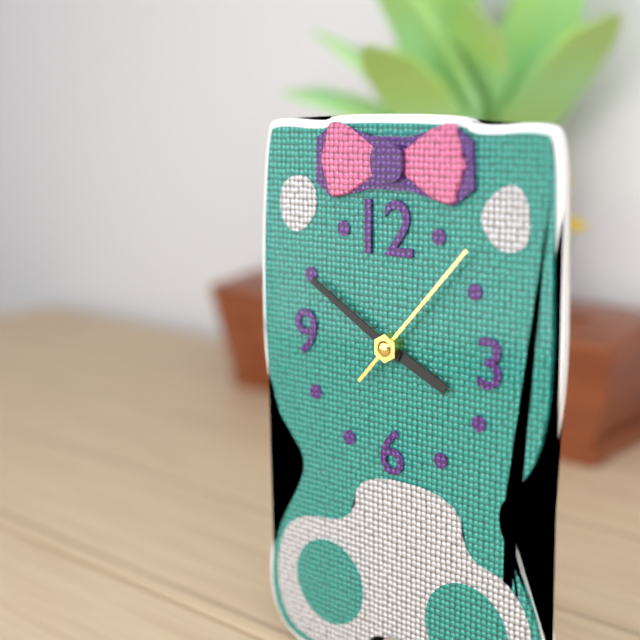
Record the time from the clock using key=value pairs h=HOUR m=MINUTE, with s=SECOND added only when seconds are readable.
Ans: h=3 m=50 s=7
